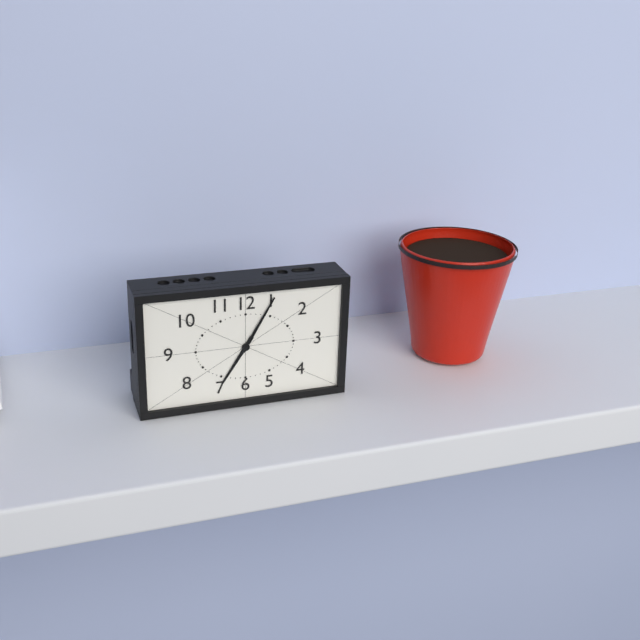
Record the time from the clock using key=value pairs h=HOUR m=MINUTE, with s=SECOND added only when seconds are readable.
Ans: h=7 m=5
